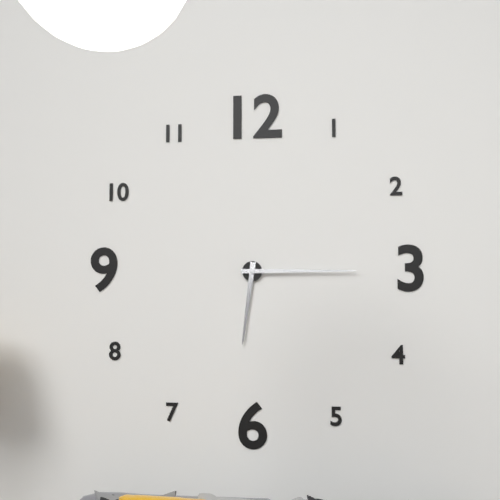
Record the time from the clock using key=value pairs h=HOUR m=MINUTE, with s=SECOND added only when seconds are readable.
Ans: h=6 m=15
